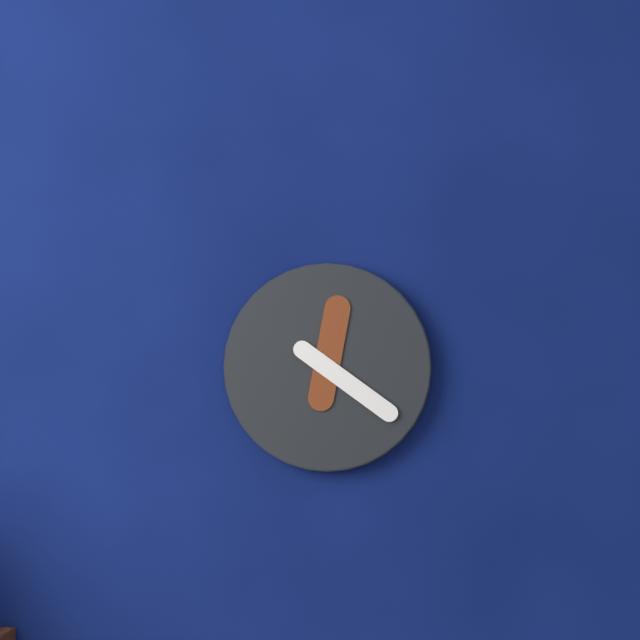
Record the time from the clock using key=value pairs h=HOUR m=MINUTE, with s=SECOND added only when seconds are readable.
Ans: h=12 m=21
